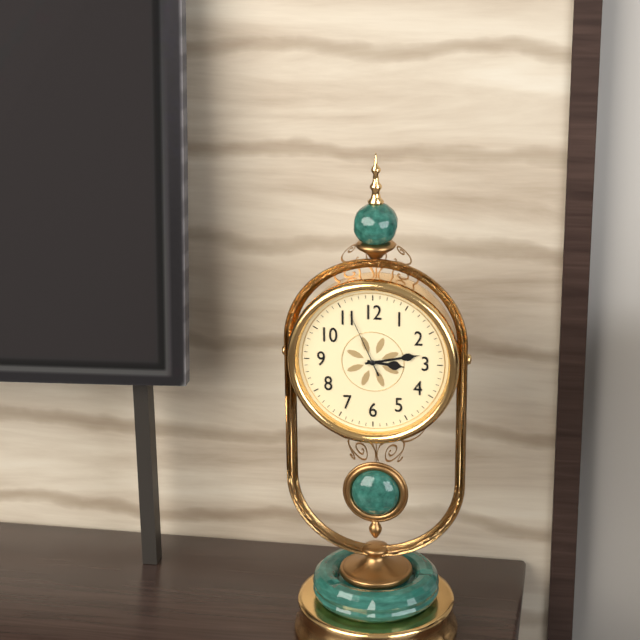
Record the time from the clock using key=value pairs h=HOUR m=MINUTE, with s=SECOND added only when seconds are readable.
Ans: h=3 m=13 s=56
